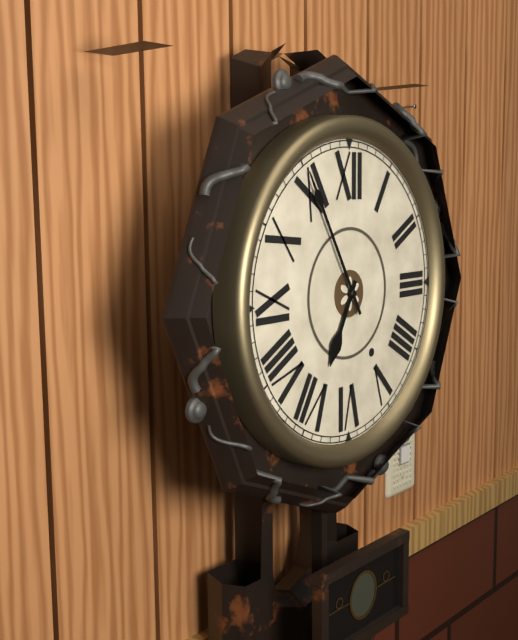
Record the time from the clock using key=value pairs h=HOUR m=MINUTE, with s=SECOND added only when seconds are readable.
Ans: h=6 m=55
